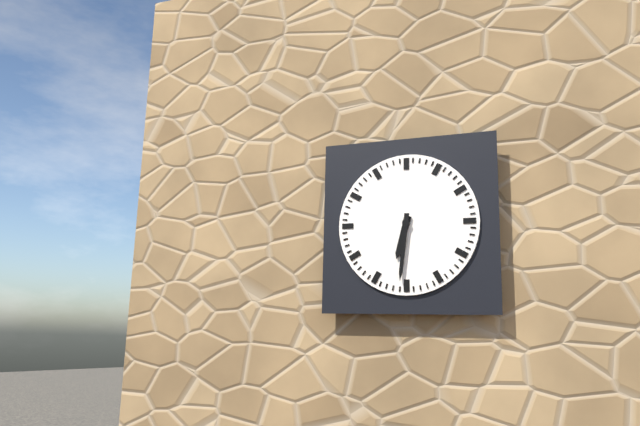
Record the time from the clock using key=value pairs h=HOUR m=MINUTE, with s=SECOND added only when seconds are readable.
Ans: h=6 m=31
